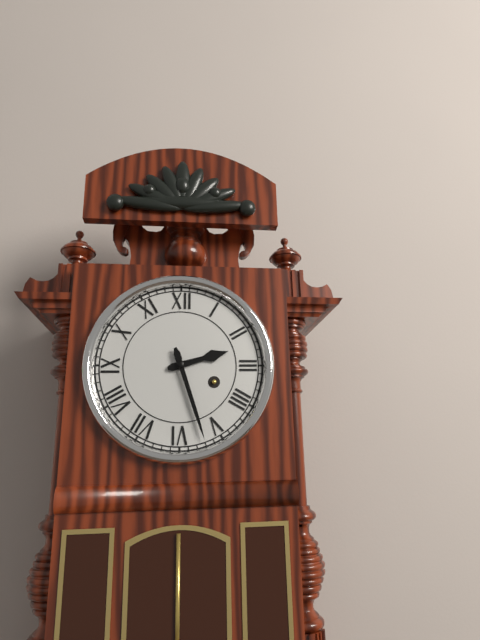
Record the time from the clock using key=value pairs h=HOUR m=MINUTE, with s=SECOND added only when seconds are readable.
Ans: h=2 m=27
